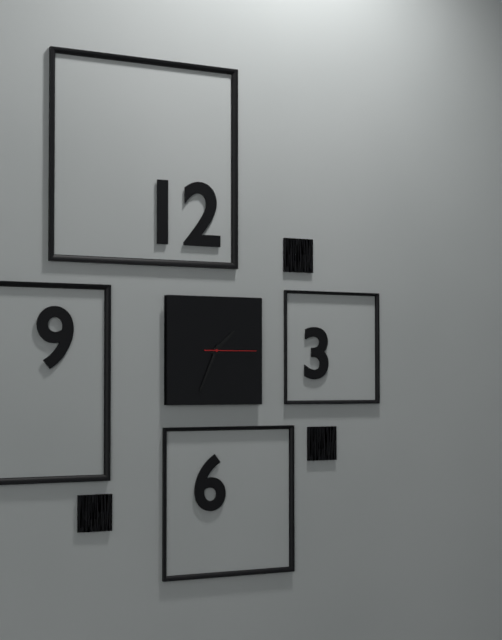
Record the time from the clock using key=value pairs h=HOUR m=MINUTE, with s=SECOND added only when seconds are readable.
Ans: h=1 m=34 s=15
